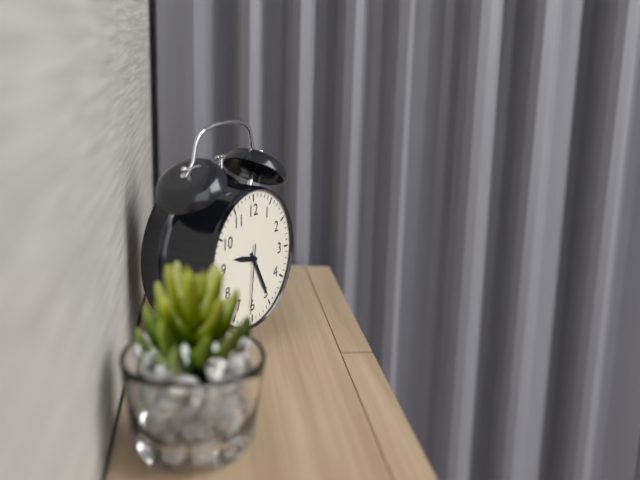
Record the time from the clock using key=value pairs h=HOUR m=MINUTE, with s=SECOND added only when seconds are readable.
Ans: h=9 m=25 s=31
